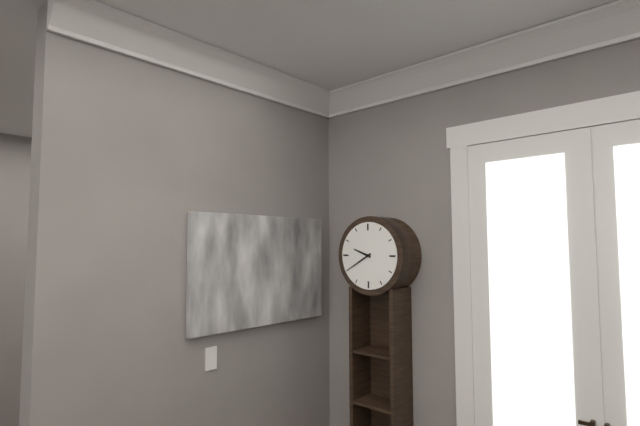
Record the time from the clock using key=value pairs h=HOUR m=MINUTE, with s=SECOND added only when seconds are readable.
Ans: h=9 m=40
